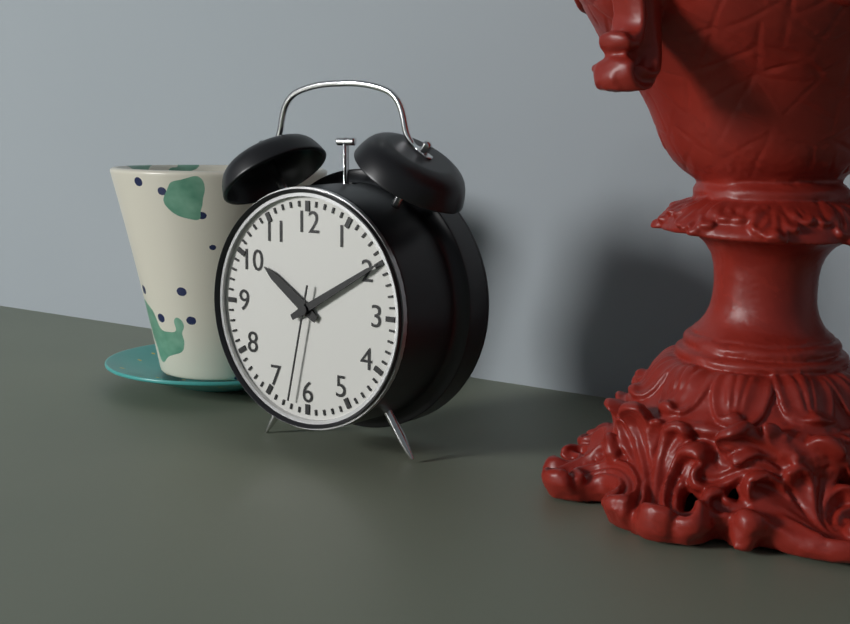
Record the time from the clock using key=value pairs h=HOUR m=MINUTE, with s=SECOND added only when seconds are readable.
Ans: h=10 m=10 s=32
